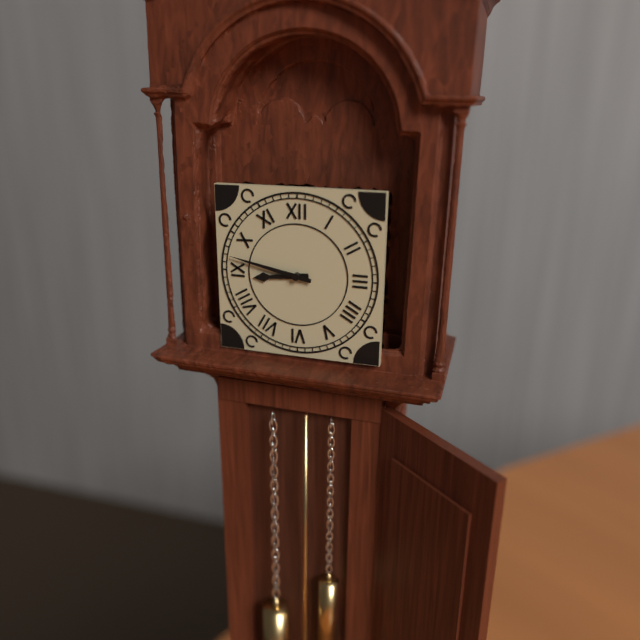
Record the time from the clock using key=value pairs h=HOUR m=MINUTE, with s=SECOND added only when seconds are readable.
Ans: h=8 m=47
